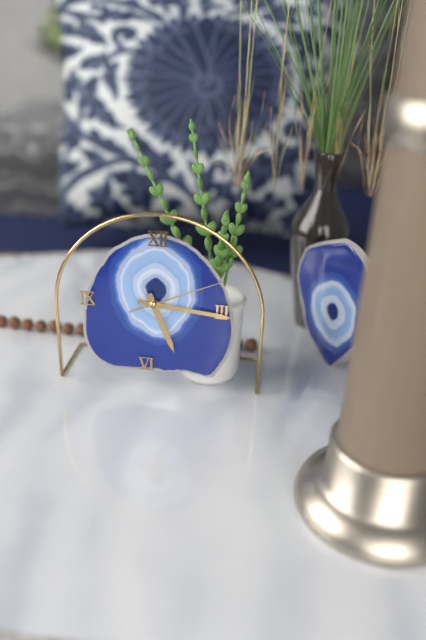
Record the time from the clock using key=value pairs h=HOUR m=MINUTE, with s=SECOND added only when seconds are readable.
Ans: h=5 m=16 s=11
